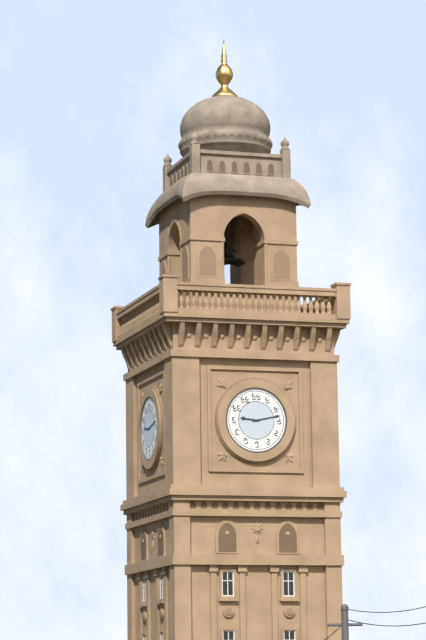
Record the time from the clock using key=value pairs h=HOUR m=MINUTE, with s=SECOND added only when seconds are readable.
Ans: h=9 m=13
